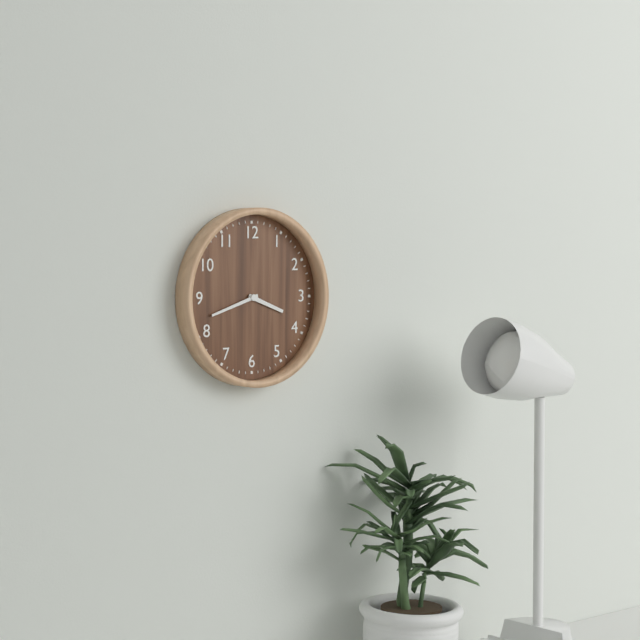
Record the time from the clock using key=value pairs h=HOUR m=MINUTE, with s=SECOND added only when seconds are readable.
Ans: h=3 m=42
